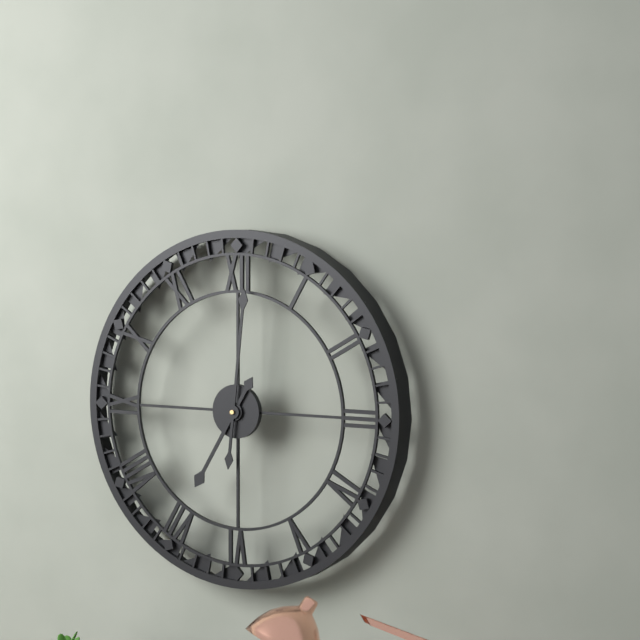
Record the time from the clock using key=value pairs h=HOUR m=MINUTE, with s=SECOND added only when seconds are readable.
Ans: h=7 m=1
